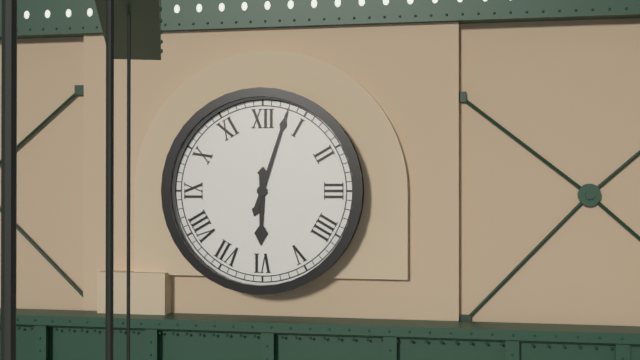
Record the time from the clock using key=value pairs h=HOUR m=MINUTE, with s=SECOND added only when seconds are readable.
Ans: h=6 m=3
